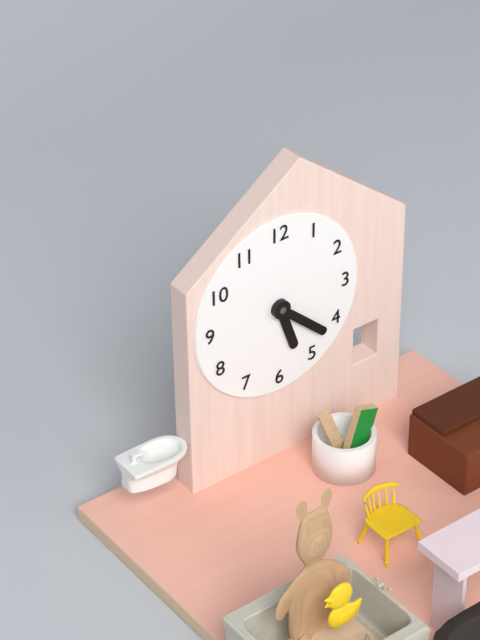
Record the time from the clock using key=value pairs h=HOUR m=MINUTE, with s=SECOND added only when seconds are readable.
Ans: h=5 m=22
